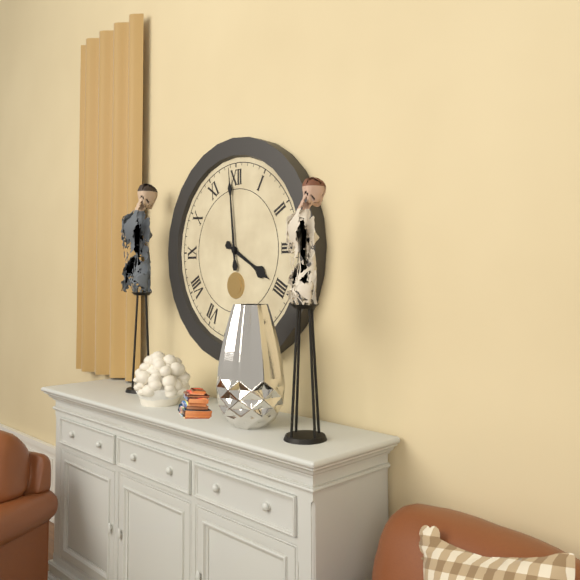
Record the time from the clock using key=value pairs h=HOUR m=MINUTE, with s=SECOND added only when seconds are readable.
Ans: h=3 m=59
